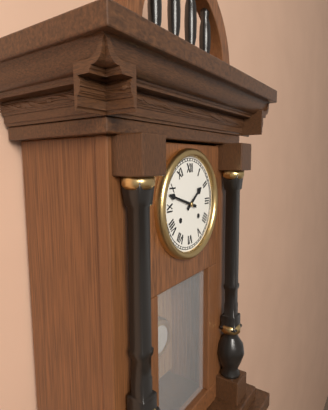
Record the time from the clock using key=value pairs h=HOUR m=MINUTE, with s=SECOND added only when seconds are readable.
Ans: h=1 m=48
